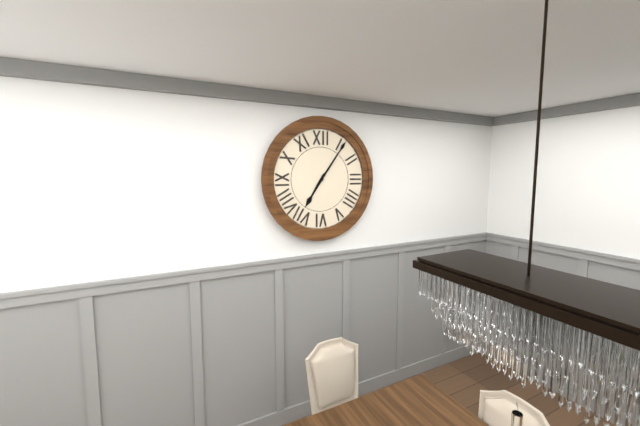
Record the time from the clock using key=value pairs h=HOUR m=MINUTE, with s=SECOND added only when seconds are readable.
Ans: h=7 m=6
